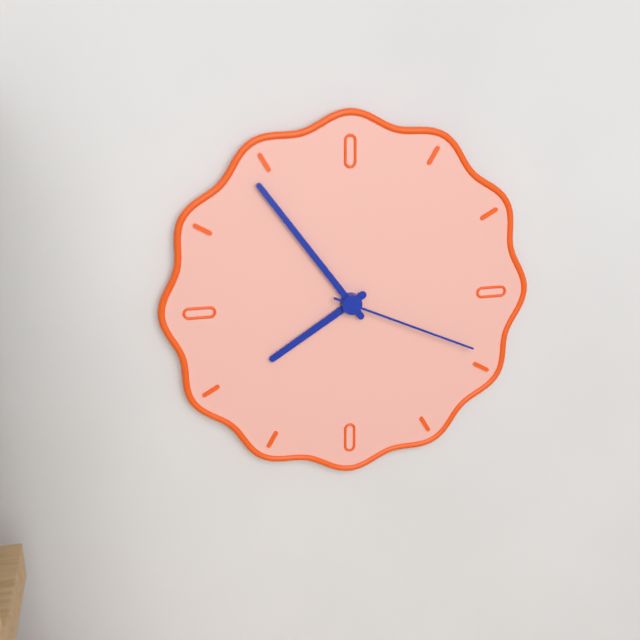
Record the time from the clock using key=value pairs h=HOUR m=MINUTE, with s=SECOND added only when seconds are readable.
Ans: h=7 m=54 s=19
